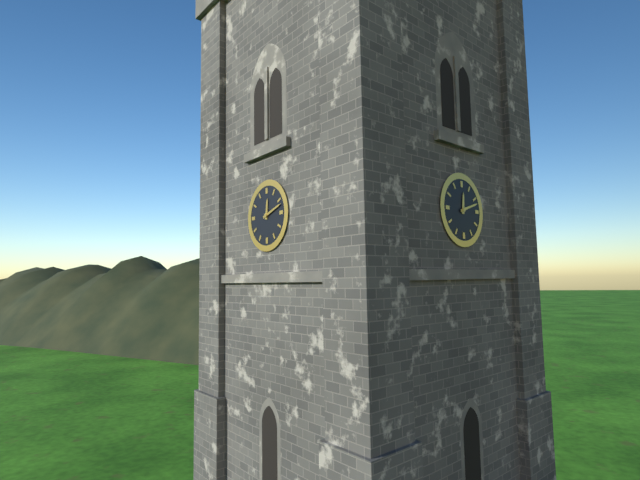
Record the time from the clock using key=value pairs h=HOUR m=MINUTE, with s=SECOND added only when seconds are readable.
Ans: h=12 m=12
